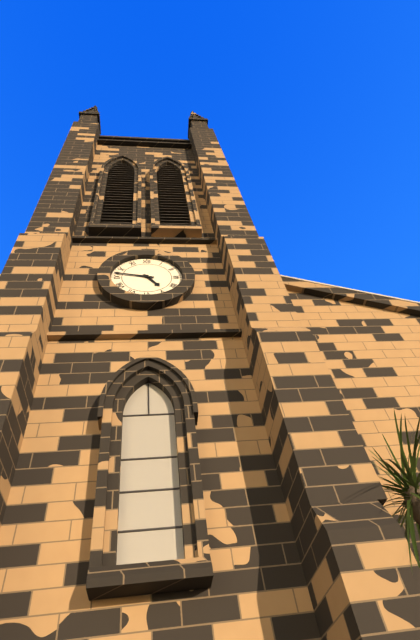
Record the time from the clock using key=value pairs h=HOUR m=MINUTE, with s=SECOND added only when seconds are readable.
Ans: h=4 m=47
